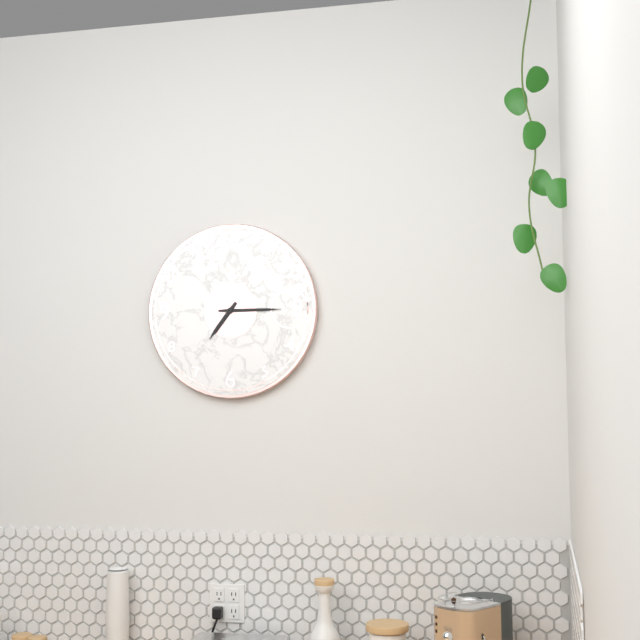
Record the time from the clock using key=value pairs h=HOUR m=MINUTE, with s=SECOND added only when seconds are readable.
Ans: h=7 m=15
